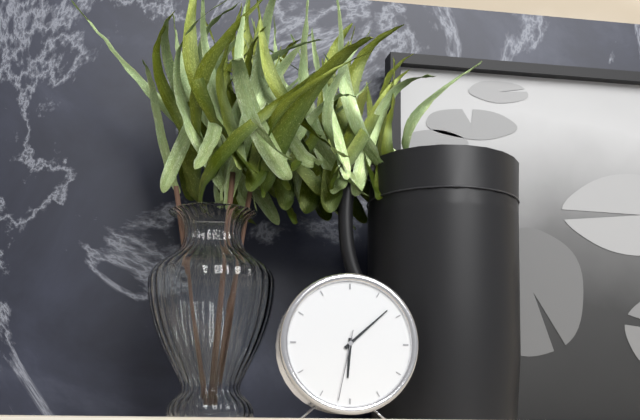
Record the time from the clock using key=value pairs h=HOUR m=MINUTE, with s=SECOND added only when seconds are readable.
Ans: h=6 m=8 s=32
